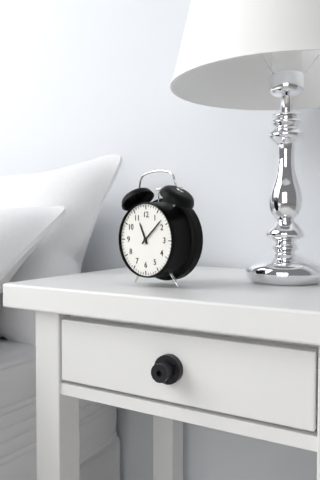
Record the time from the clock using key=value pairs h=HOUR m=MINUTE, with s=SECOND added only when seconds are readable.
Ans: h=11 m=8
